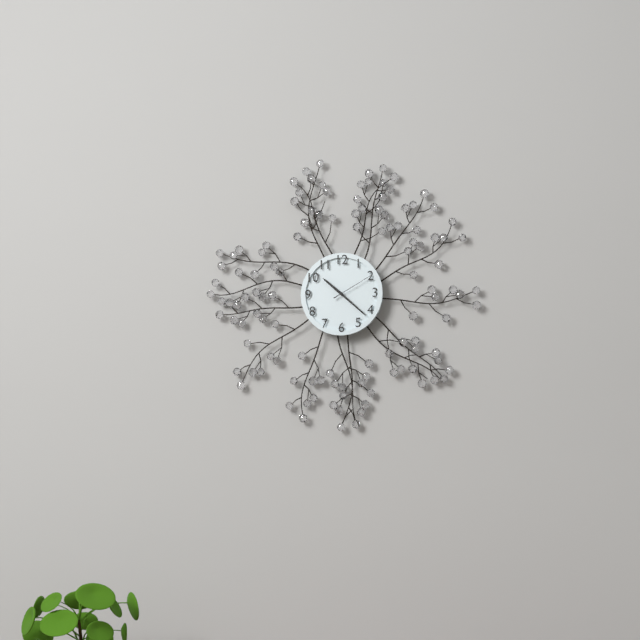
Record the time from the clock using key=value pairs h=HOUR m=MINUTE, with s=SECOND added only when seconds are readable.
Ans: h=10 m=22
